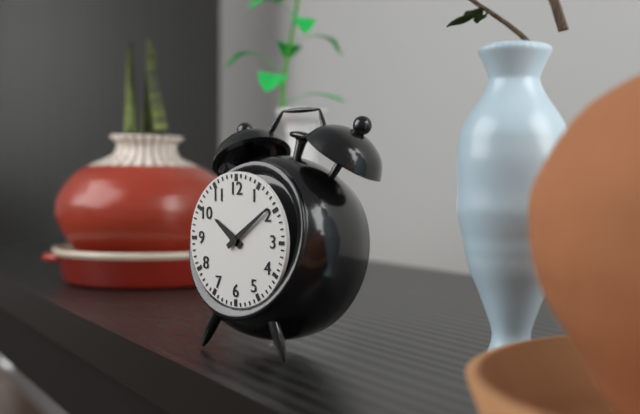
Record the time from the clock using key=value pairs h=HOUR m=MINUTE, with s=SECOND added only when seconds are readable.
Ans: h=10 m=9
